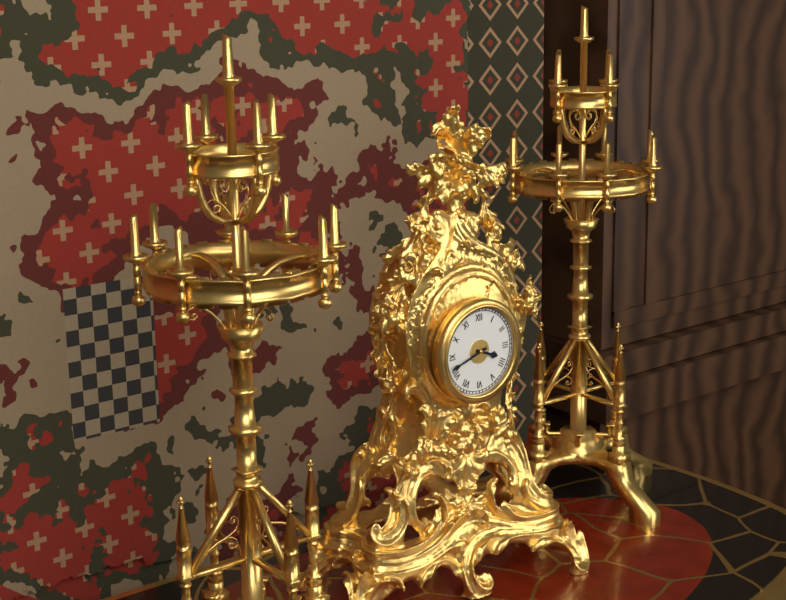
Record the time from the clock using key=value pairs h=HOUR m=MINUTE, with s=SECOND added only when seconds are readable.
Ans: h=3 m=42
